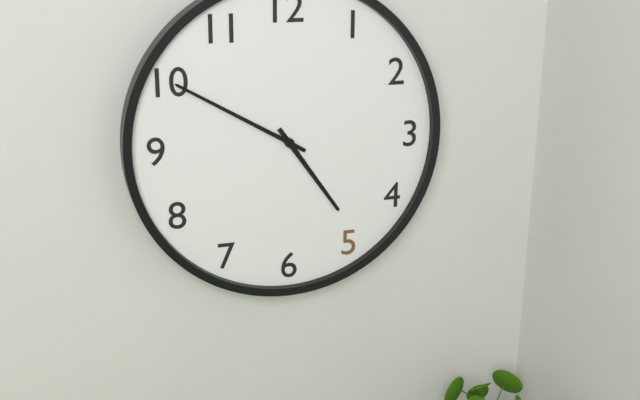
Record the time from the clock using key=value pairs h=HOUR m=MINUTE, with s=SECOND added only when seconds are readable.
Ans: h=4 m=50
